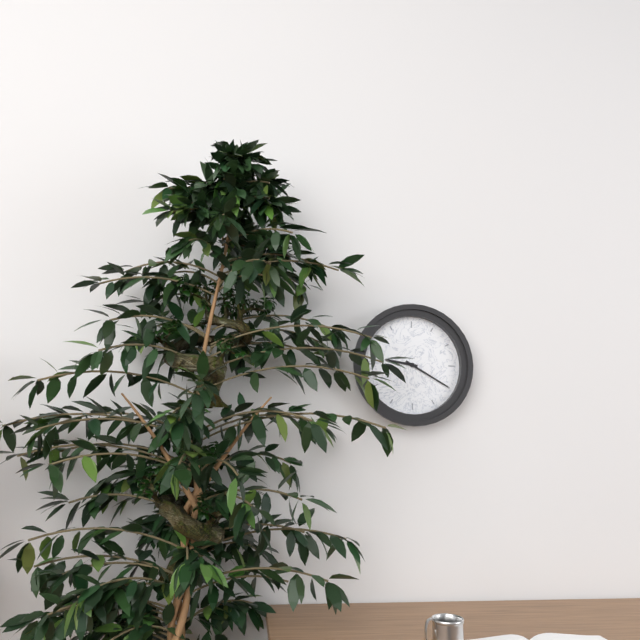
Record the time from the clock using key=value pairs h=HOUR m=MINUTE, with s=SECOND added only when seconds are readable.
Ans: h=9 m=20
